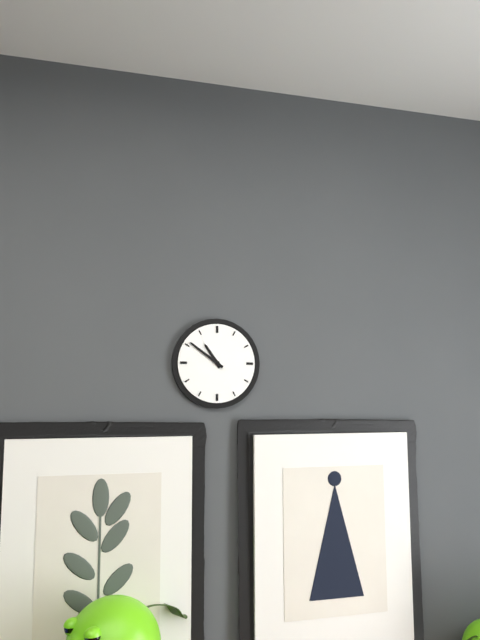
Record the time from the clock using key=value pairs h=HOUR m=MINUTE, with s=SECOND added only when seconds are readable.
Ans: h=10 m=51
